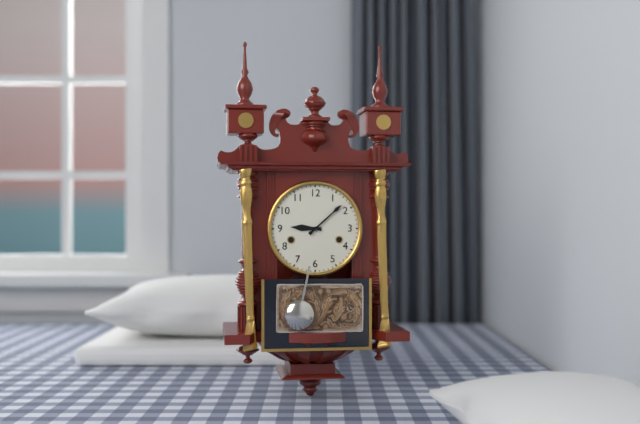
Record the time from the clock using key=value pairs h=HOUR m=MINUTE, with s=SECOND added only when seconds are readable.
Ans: h=9 m=8
